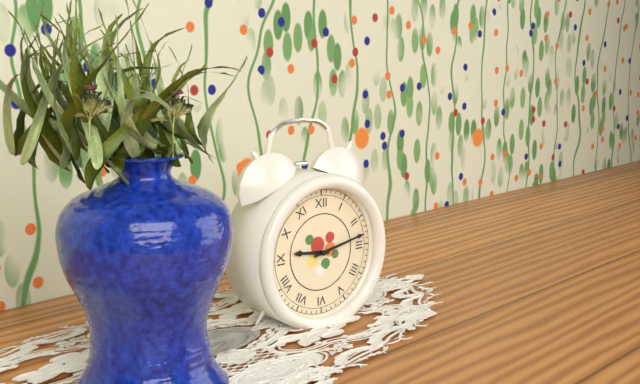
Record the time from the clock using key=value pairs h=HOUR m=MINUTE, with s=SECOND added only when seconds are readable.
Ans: h=9 m=13
